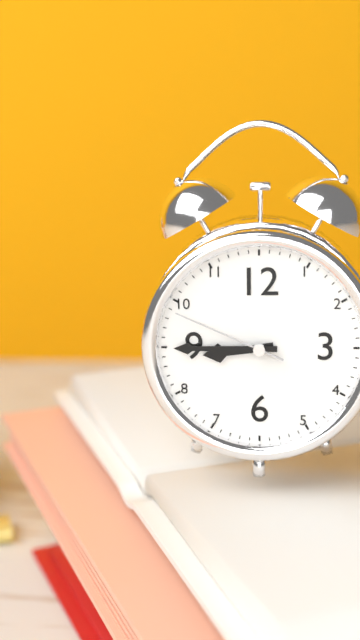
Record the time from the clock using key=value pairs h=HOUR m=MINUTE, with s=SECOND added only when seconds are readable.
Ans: h=8 m=45 s=49
